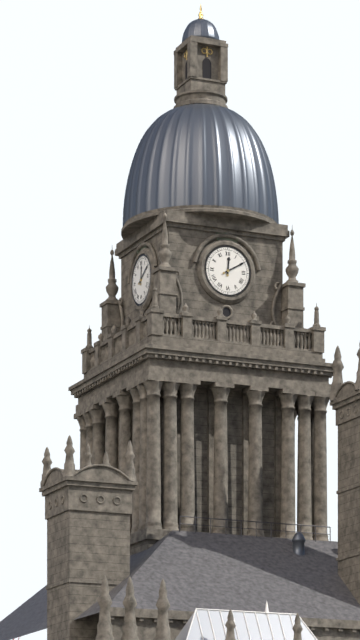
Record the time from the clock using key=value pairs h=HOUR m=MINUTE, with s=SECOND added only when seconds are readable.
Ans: h=12 m=10
